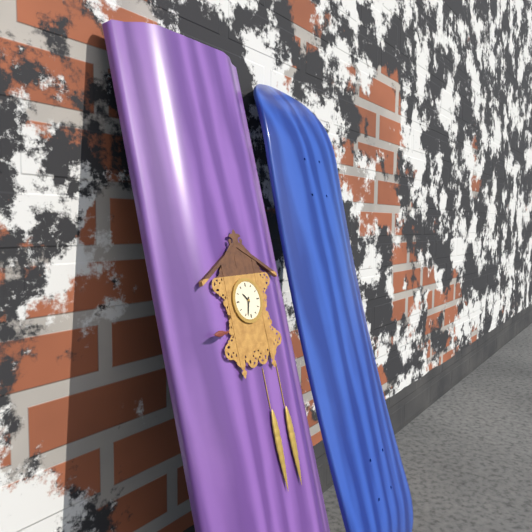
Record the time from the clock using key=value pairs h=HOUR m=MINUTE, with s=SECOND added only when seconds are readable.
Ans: h=10 m=33
